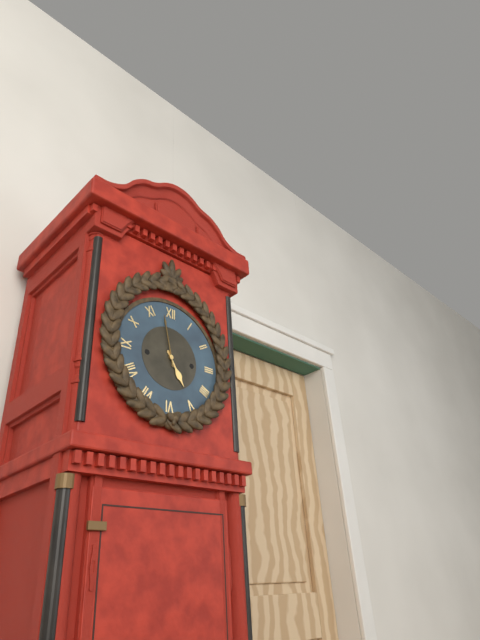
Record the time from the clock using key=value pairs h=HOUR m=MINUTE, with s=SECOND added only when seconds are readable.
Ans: h=4 m=58
